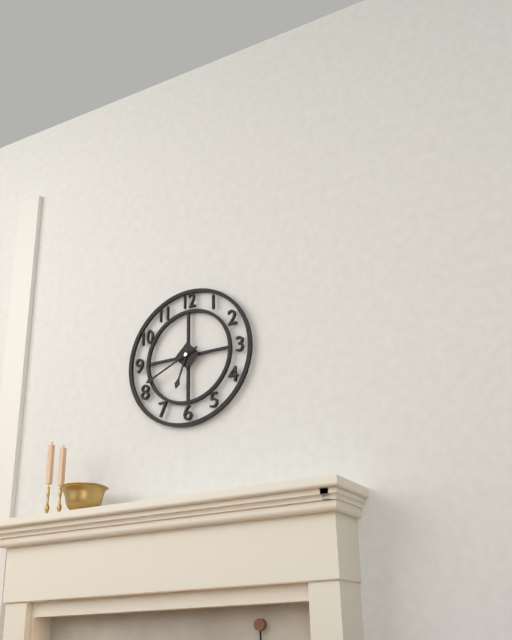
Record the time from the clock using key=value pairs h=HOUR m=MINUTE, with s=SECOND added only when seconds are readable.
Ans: h=6 m=41
